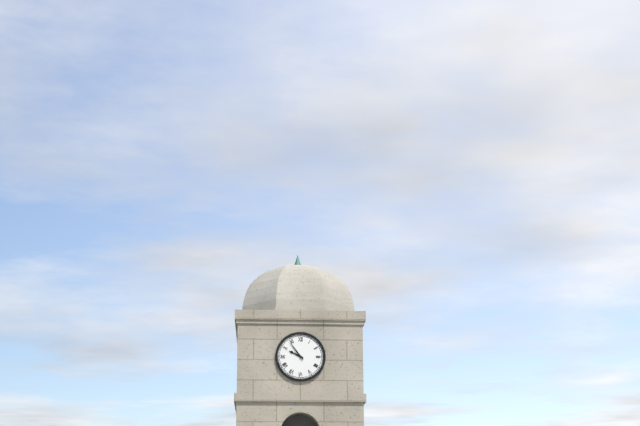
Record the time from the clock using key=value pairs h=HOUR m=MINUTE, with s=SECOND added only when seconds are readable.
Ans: h=9 m=54
